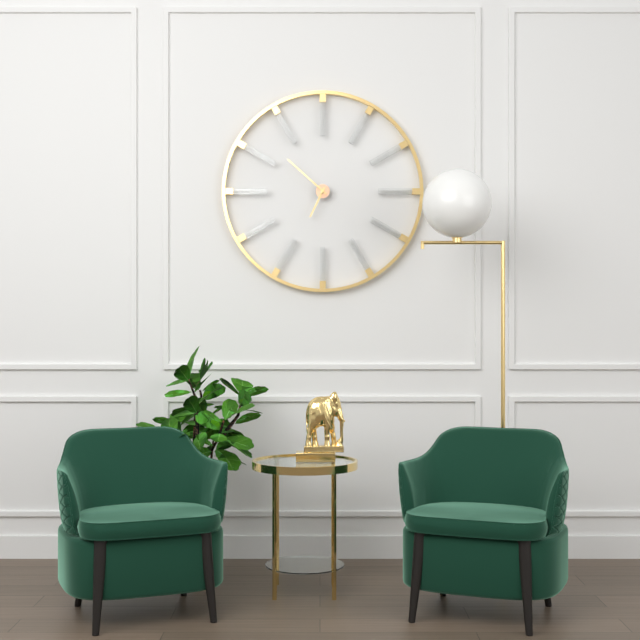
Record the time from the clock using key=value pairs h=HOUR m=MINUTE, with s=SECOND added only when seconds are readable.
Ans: h=6 m=52
